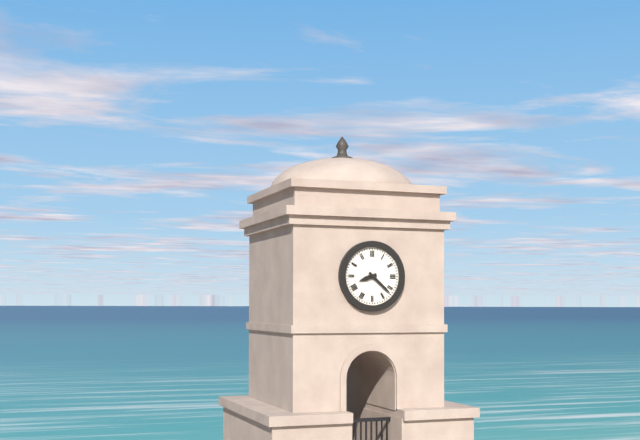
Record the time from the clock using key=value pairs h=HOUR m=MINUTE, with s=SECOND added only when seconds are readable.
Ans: h=8 m=22
